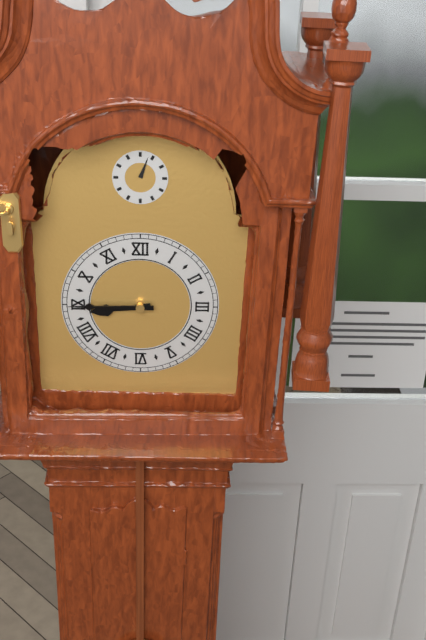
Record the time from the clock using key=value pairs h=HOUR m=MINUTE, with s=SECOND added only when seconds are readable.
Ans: h=8 m=45
